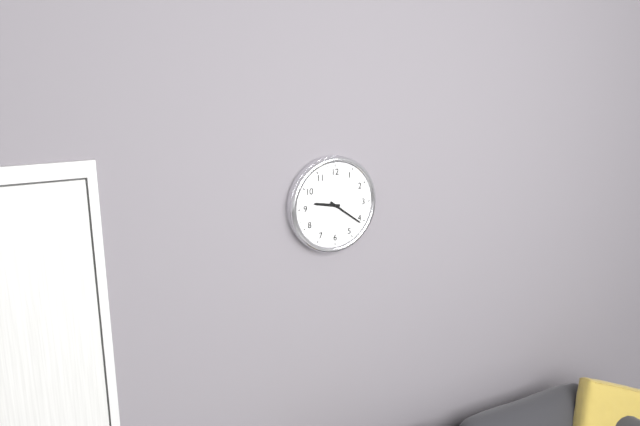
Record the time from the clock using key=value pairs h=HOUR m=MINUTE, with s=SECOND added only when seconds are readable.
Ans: h=9 m=21
